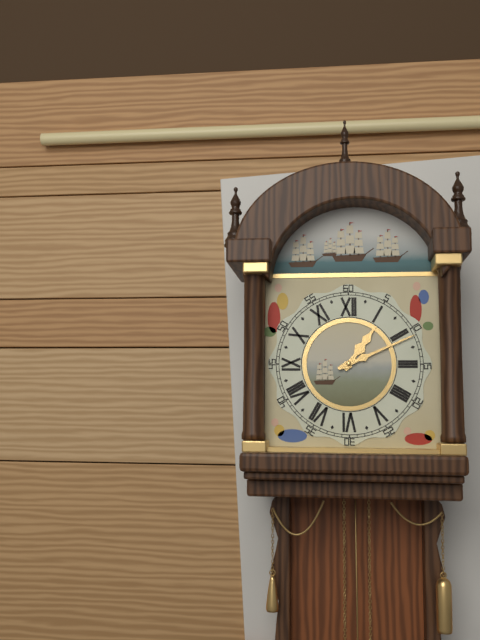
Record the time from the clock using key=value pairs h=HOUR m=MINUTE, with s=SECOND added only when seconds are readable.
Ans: h=1 m=11
